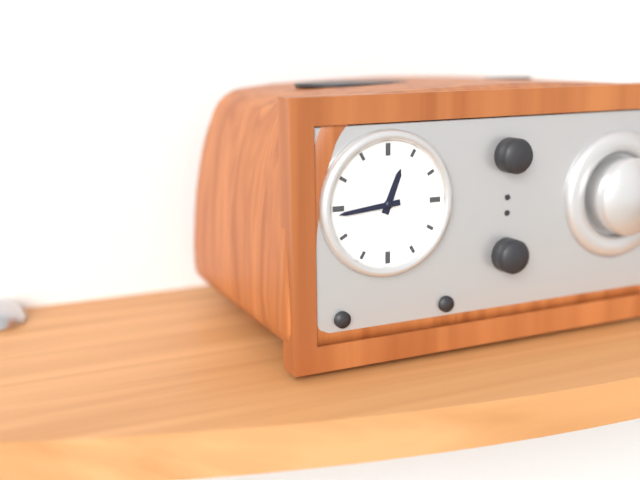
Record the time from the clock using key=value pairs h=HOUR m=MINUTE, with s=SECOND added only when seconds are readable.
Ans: h=12 m=44
